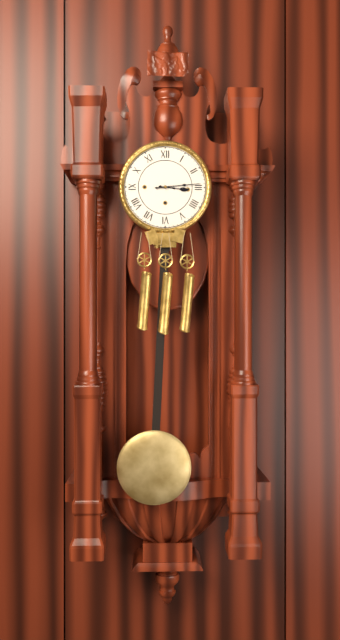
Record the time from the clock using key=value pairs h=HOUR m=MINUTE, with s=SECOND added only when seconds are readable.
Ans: h=3 m=14
